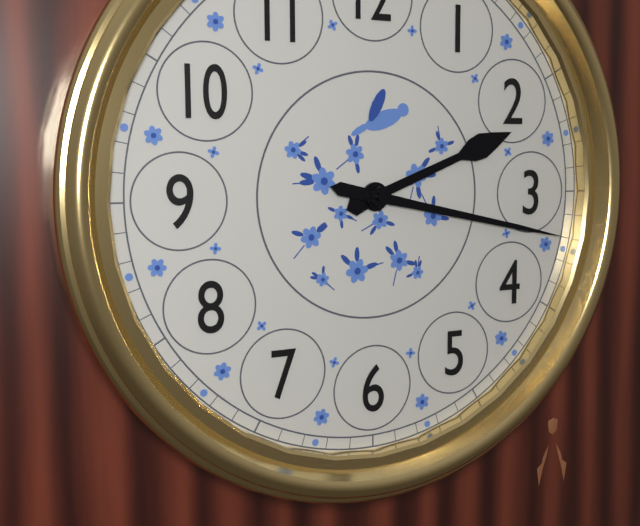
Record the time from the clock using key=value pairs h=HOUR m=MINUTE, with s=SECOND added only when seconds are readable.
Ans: h=2 m=17
